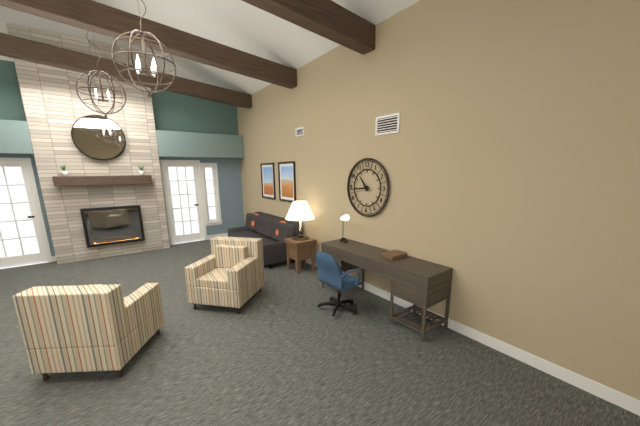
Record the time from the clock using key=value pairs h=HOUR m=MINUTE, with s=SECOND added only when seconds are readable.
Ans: h=10 m=44
